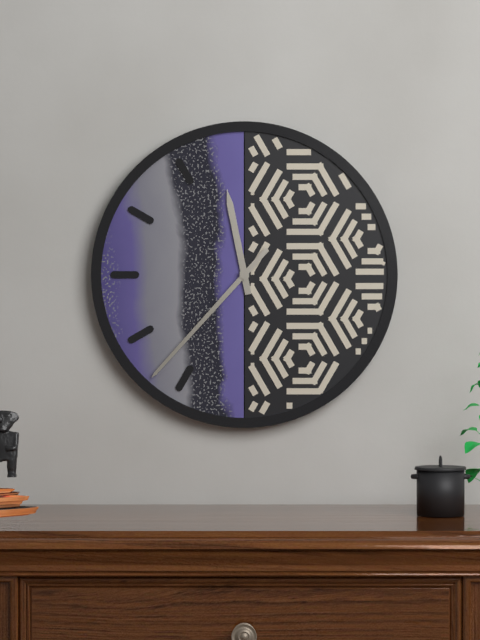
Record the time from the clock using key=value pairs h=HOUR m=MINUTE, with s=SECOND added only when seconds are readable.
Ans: h=11 m=37
